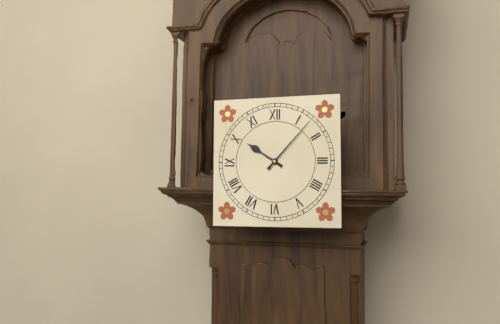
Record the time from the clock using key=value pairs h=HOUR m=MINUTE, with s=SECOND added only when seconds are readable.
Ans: h=10 m=7
